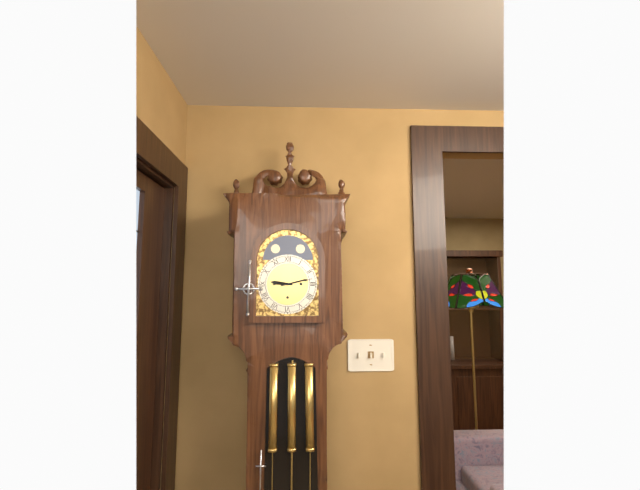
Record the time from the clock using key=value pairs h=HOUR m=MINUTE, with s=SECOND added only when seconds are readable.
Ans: h=9 m=13
